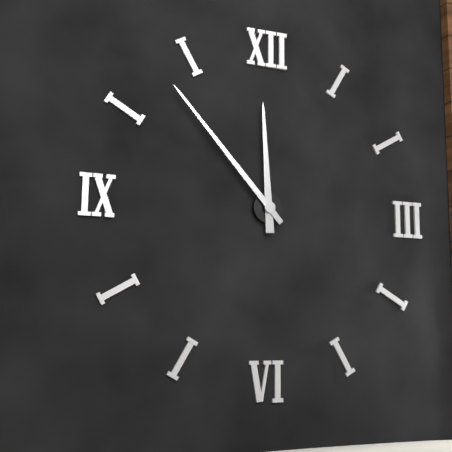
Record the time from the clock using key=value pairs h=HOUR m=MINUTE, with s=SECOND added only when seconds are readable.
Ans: h=11 m=53
